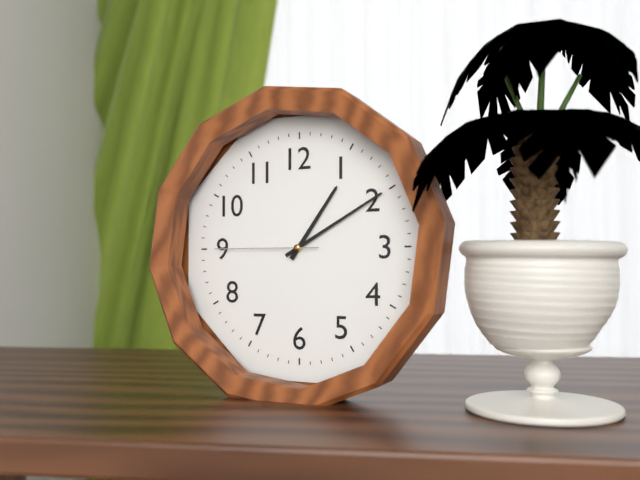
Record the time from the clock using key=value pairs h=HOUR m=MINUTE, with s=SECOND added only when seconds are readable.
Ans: h=1 m=10 s=45
